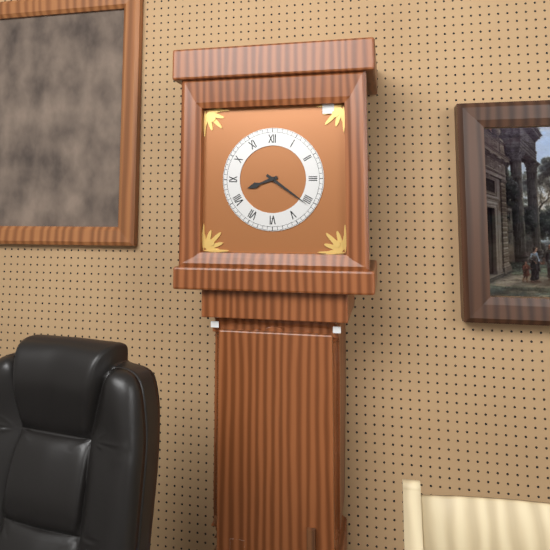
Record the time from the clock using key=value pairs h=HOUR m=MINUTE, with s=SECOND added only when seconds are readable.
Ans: h=8 m=21
